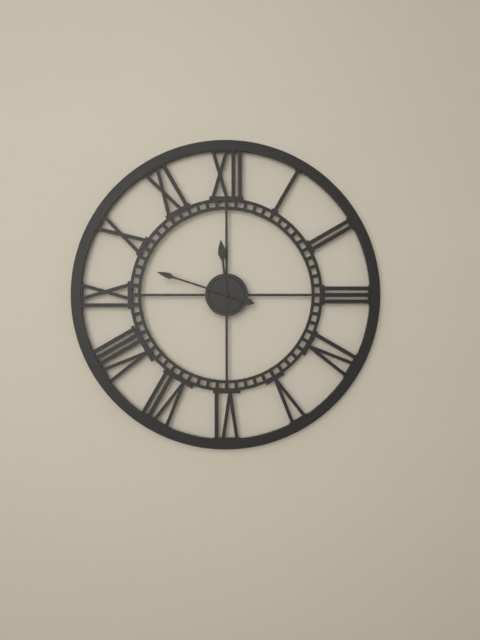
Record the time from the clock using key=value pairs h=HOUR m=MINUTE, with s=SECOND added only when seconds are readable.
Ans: h=11 m=48
